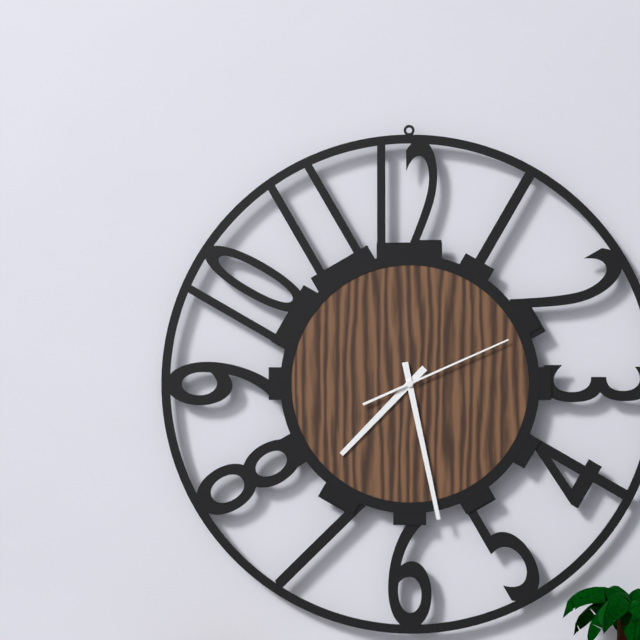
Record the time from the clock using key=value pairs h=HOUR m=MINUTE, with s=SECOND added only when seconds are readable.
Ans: h=7 m=28 s=11
